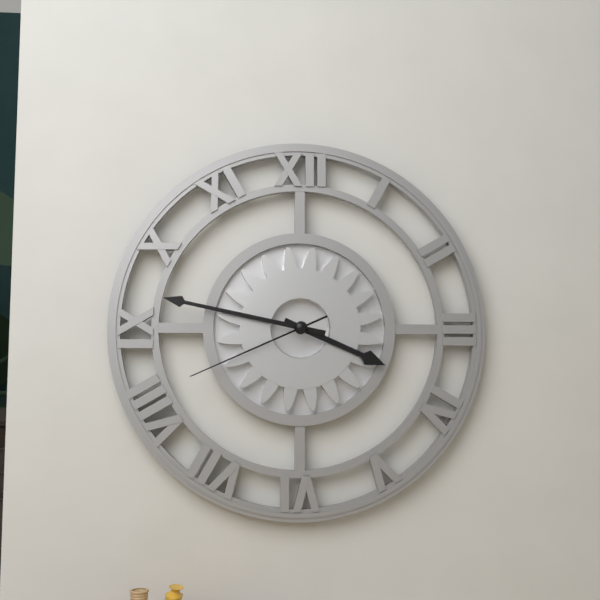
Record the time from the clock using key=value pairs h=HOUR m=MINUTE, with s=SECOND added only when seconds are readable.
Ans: h=3 m=47 s=41
